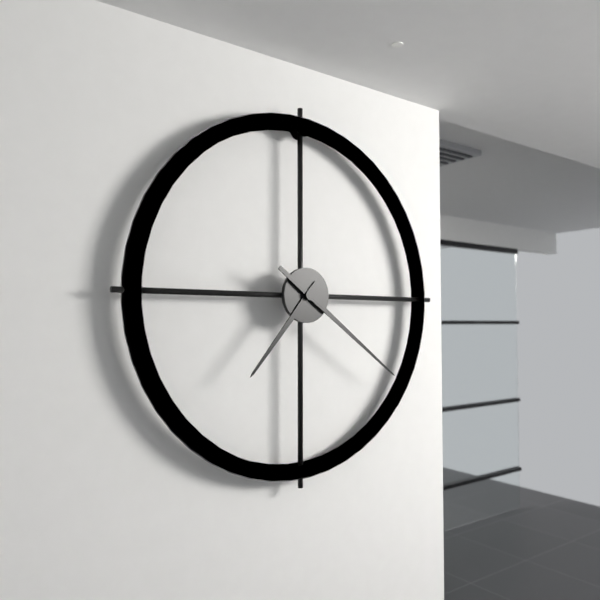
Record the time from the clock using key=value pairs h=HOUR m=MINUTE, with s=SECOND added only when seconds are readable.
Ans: h=7 m=21
